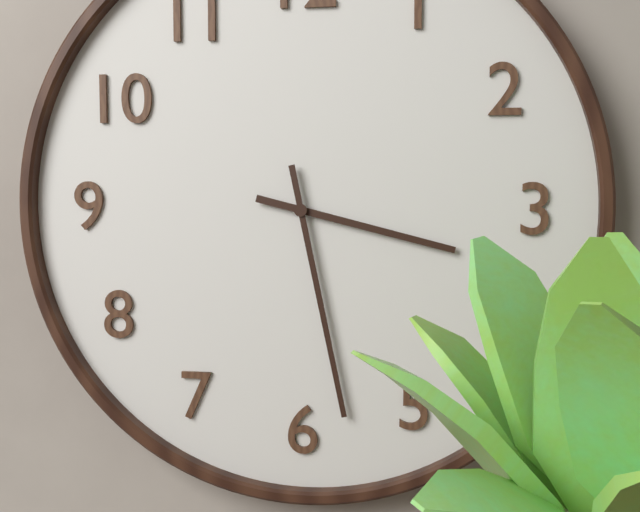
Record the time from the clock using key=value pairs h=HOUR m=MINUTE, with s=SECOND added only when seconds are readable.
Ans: h=3 m=28
